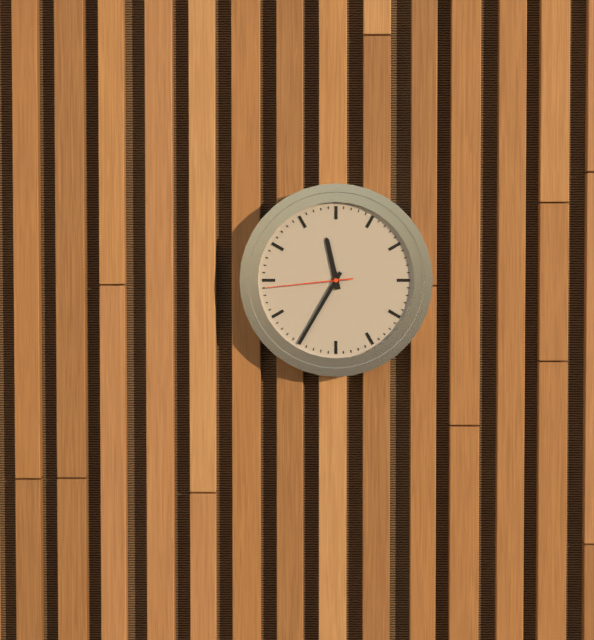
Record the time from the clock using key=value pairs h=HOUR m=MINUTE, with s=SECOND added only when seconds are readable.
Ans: h=11 m=35 s=44
